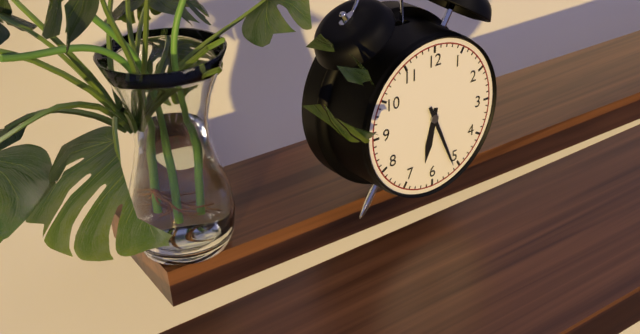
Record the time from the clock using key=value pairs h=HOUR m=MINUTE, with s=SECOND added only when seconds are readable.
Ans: h=6 m=26
